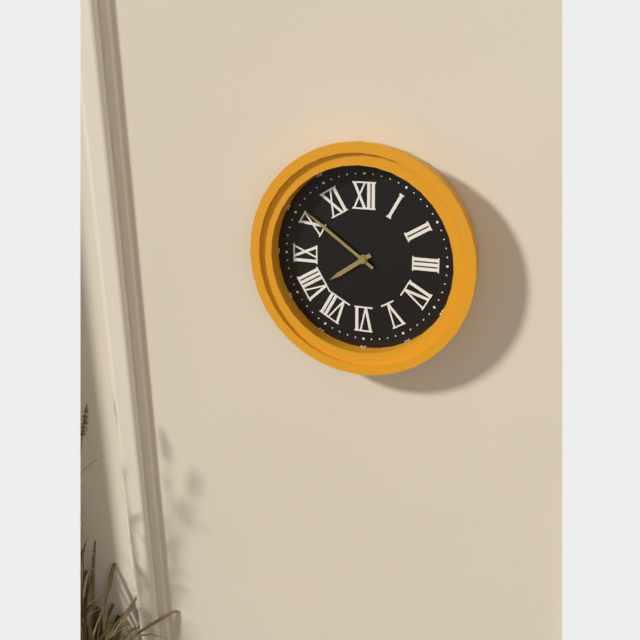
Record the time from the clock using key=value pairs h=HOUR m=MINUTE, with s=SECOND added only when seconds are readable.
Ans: h=7 m=51
